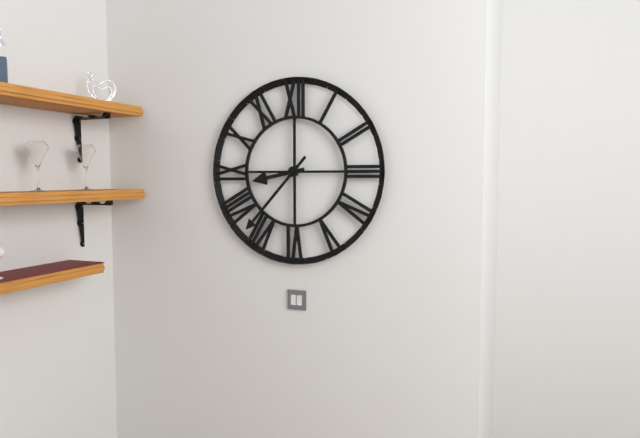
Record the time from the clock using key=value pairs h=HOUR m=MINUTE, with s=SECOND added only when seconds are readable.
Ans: h=8 m=37
